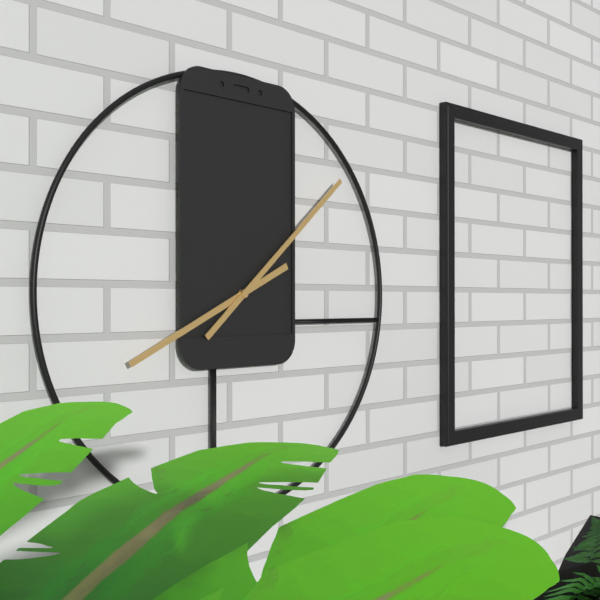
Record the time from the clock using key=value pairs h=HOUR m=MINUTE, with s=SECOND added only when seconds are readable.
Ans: h=8 m=8
